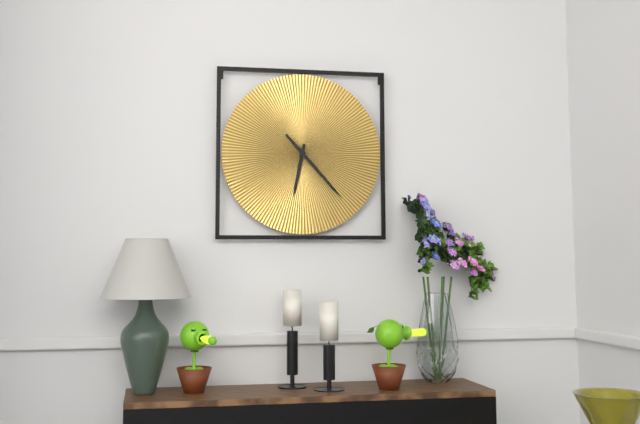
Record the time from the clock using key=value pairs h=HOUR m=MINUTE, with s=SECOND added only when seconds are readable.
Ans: h=6 m=23
